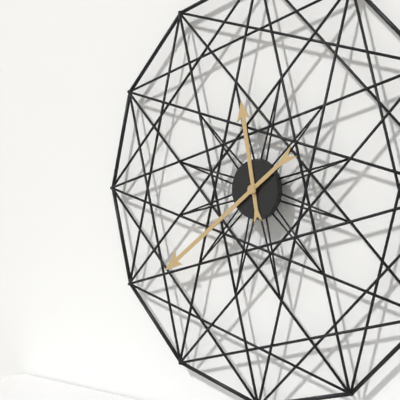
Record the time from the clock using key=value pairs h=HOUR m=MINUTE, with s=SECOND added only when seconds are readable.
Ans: h=11 m=39
